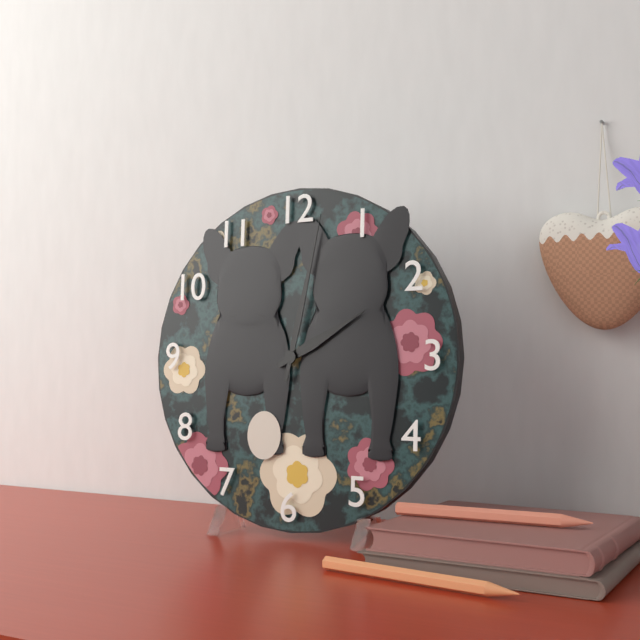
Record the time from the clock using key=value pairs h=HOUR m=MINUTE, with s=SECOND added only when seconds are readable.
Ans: h=2 m=2
